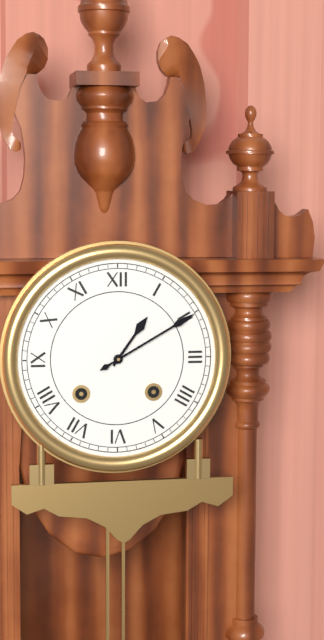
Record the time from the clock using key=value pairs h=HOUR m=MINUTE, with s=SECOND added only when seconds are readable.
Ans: h=1 m=10
